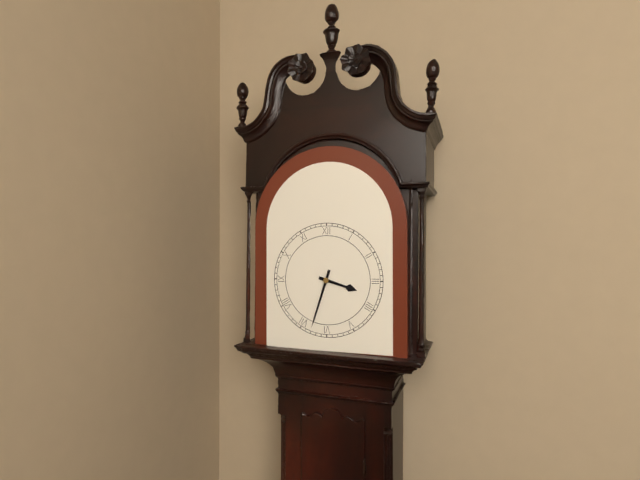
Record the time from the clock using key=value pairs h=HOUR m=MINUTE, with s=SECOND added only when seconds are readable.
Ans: h=3 m=33
